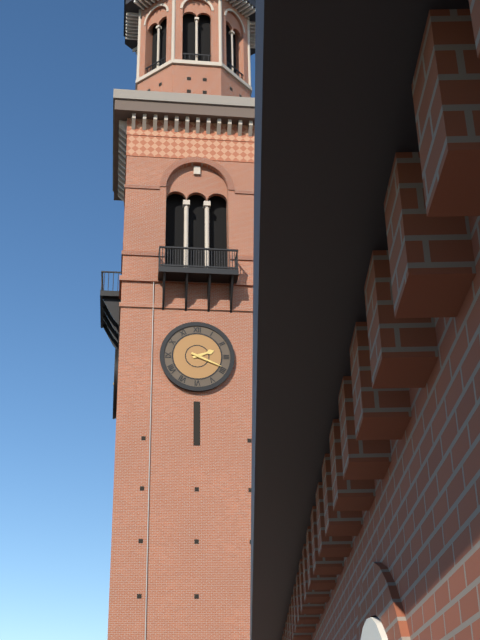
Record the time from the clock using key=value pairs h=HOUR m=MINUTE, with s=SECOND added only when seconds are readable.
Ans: h=2 m=19
